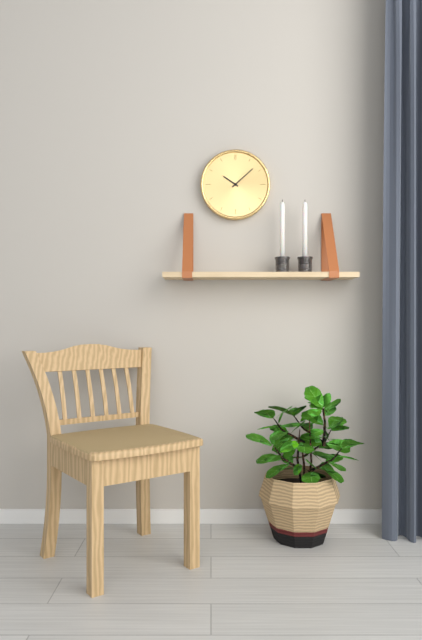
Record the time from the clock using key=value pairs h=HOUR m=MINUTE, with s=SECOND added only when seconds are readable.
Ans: h=10 m=8
